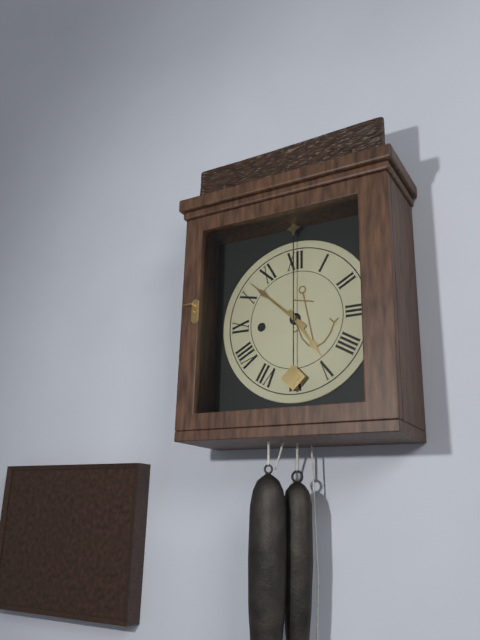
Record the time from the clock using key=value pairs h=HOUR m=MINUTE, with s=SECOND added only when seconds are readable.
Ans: h=4 m=52
